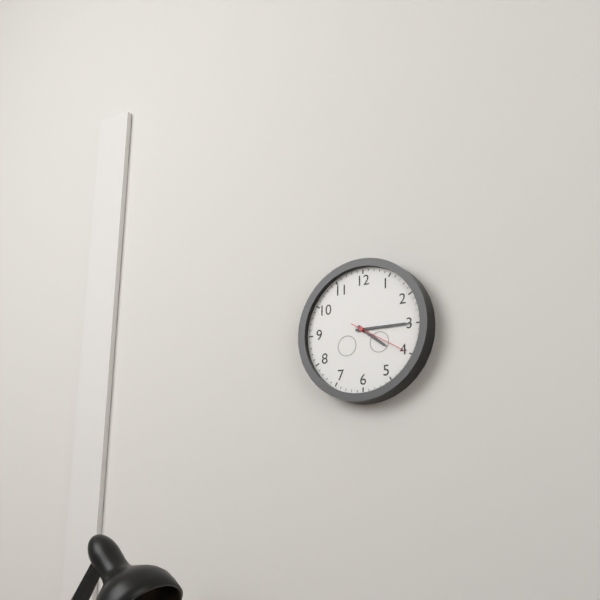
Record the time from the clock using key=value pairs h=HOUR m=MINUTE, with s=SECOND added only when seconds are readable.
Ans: h=4 m=15 s=20
